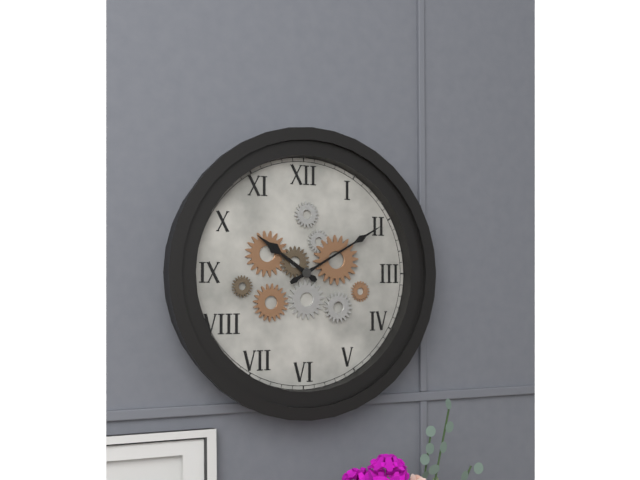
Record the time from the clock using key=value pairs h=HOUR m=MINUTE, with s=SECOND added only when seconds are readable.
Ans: h=10 m=10
